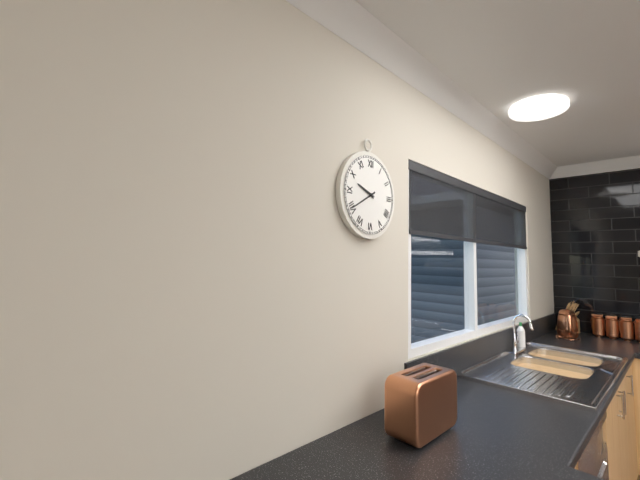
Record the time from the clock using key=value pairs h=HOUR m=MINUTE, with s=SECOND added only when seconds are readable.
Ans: h=9 m=40
